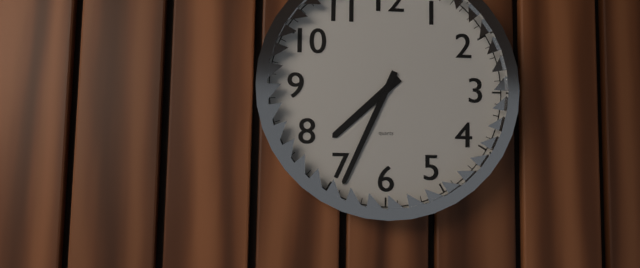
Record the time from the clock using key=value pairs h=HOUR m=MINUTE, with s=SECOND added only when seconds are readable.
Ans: h=7 m=34
